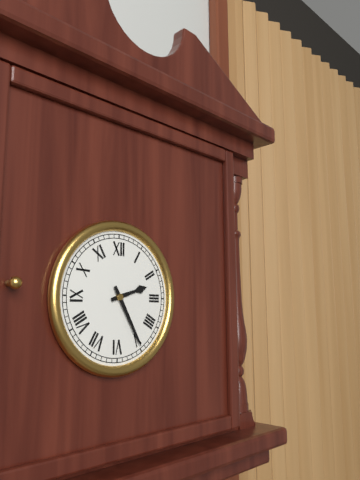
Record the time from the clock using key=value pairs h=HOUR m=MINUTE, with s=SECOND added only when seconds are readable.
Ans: h=2 m=25
